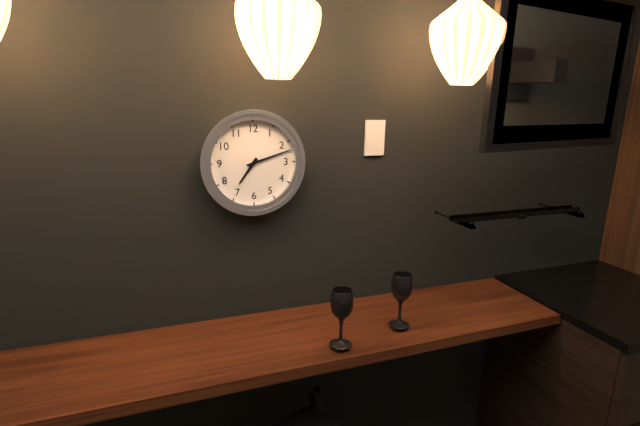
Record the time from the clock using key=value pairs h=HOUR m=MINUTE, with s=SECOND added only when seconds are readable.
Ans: h=7 m=12
